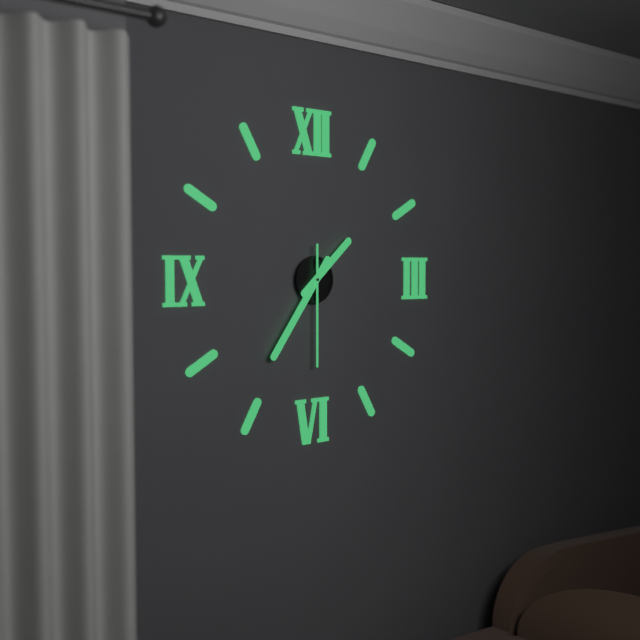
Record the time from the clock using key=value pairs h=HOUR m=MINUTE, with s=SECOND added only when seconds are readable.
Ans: h=1 m=36 s=30
